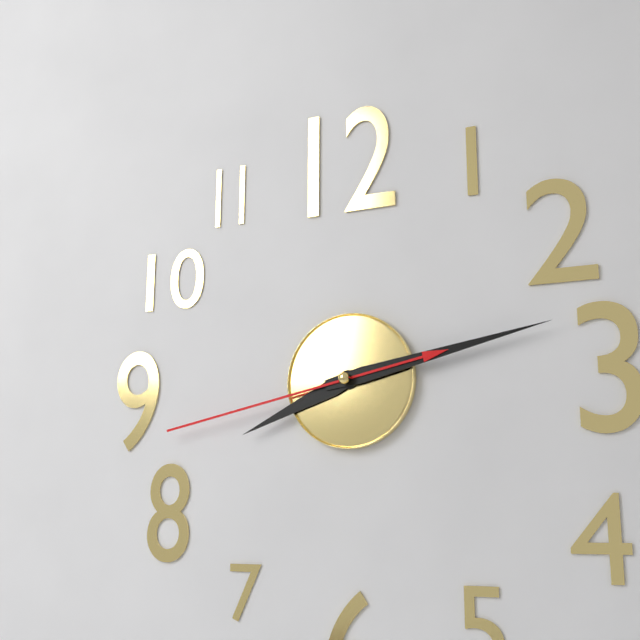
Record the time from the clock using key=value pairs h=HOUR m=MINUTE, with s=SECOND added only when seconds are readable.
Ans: h=8 m=13 s=43
